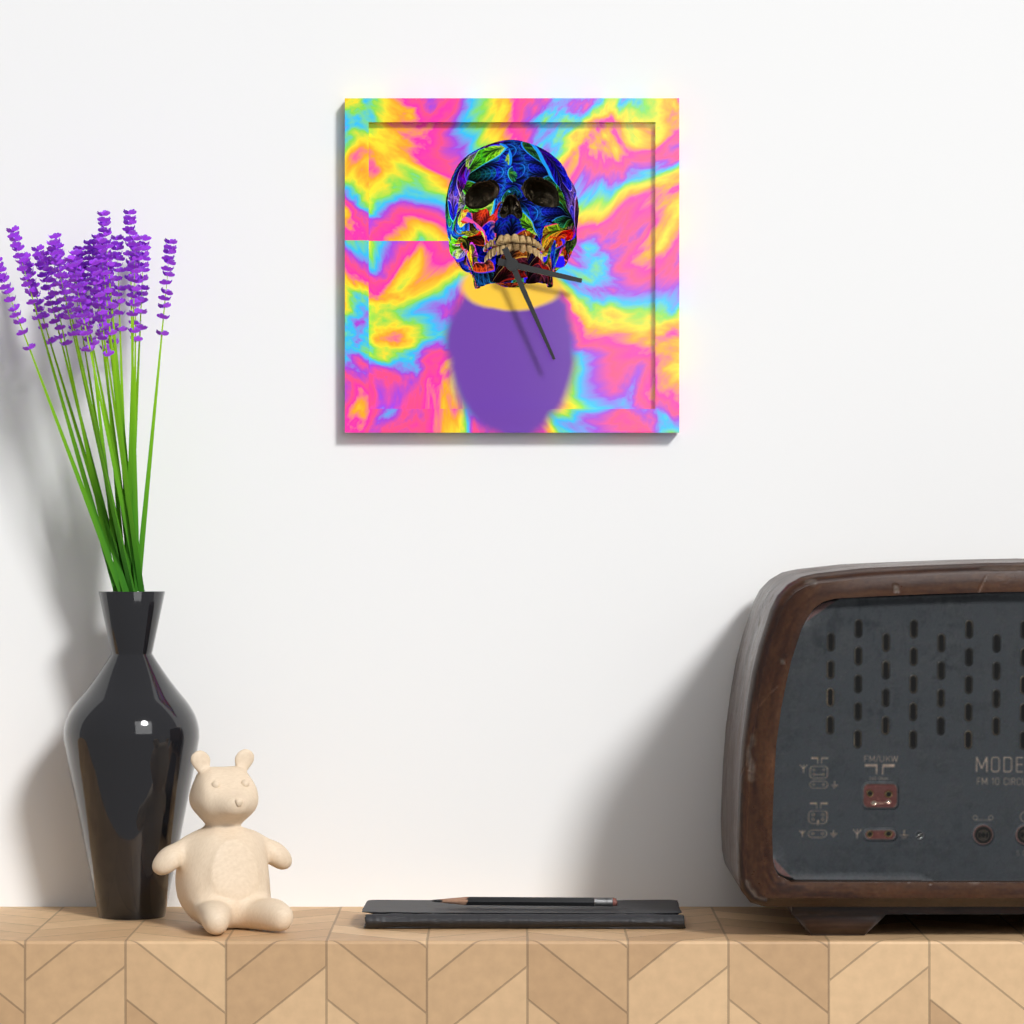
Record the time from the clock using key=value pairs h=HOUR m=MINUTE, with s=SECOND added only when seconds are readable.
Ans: h=3 m=26
